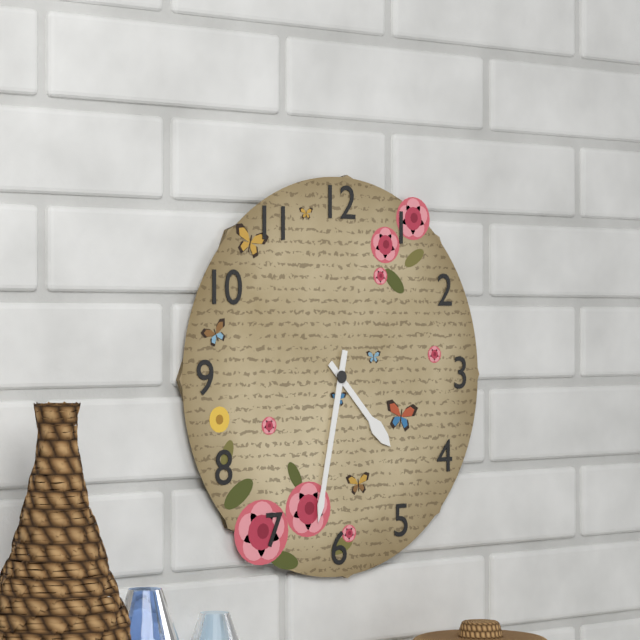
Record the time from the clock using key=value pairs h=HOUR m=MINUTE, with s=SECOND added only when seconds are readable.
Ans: h=4 m=32
